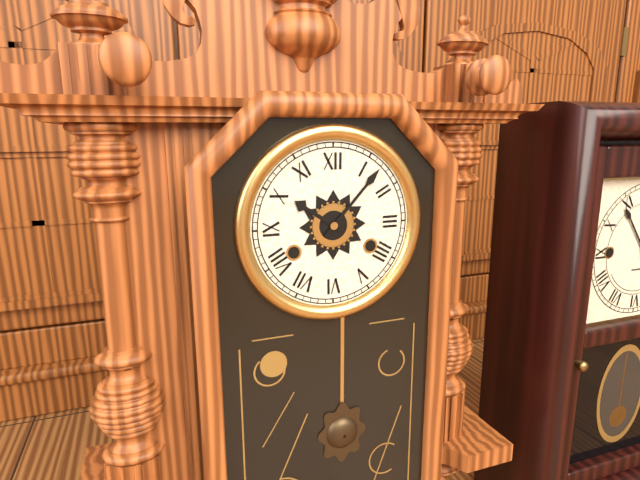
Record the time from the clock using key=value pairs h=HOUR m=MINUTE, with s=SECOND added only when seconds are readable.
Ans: h=10 m=7
